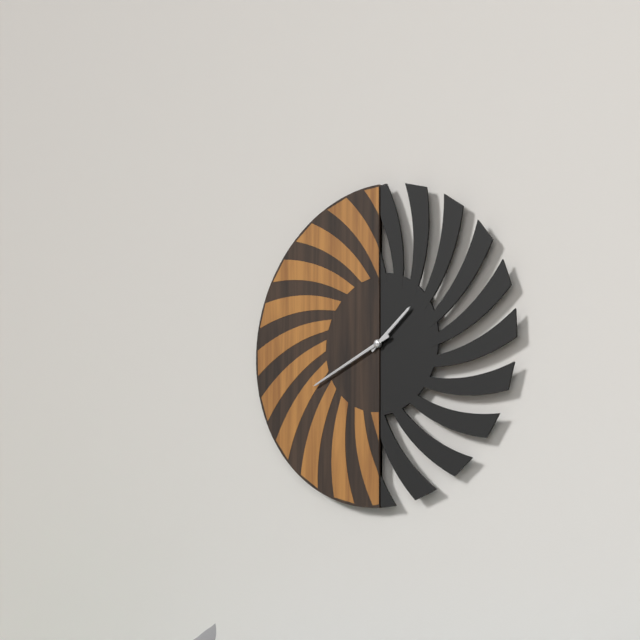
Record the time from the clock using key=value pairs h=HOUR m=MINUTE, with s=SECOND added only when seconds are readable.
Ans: h=1 m=41
